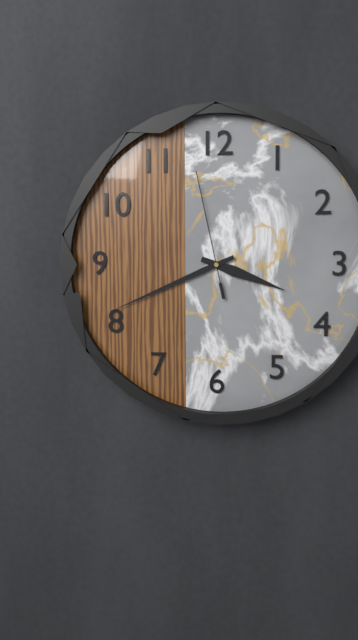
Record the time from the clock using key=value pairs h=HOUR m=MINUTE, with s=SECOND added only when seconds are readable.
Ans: h=3 m=41 s=58
